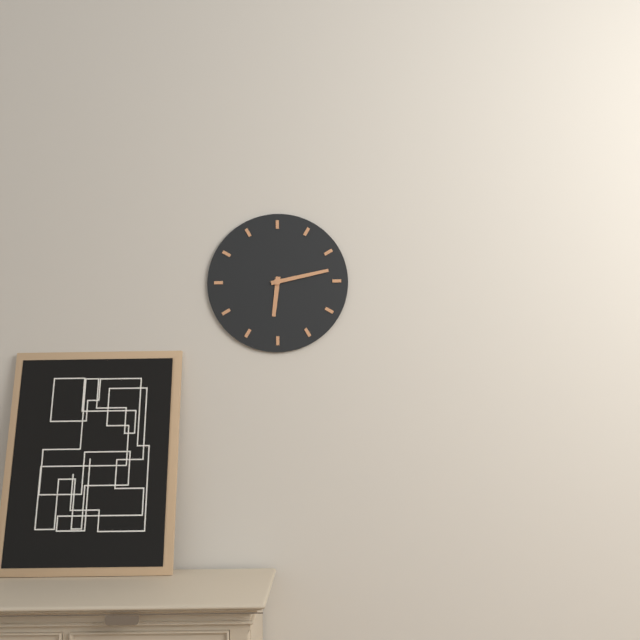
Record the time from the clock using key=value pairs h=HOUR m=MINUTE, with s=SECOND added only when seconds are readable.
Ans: h=6 m=13
